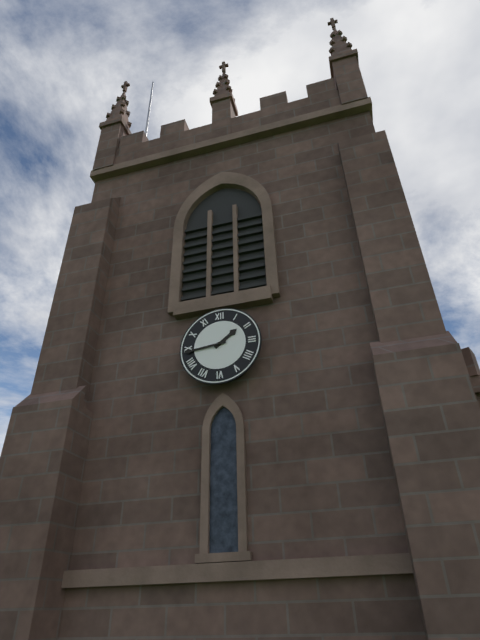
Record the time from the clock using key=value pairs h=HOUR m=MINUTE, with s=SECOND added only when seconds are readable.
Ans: h=1 m=44
